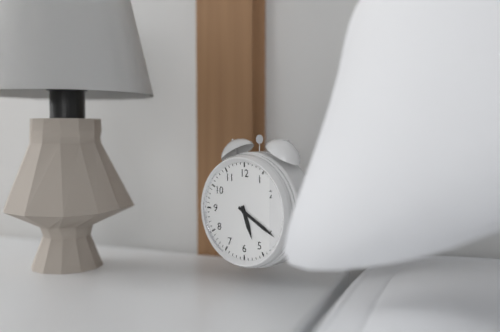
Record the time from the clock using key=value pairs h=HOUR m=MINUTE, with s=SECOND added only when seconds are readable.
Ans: h=5 m=20
